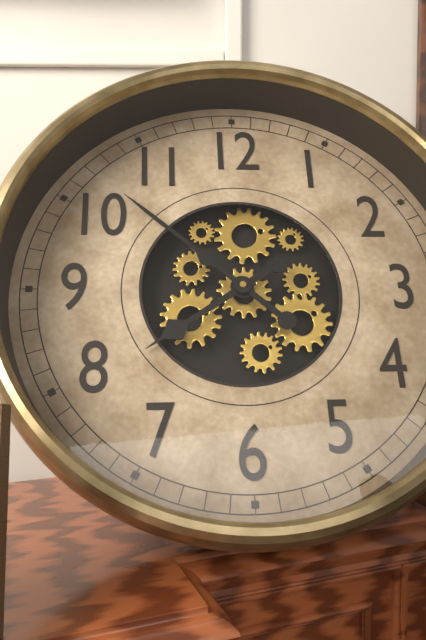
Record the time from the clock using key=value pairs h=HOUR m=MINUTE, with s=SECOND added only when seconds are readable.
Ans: h=7 m=52
